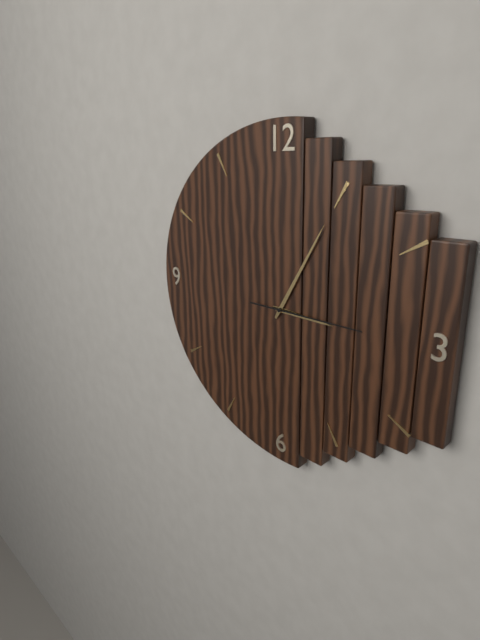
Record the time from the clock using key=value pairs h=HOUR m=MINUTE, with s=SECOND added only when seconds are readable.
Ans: h=3 m=5 s=15
